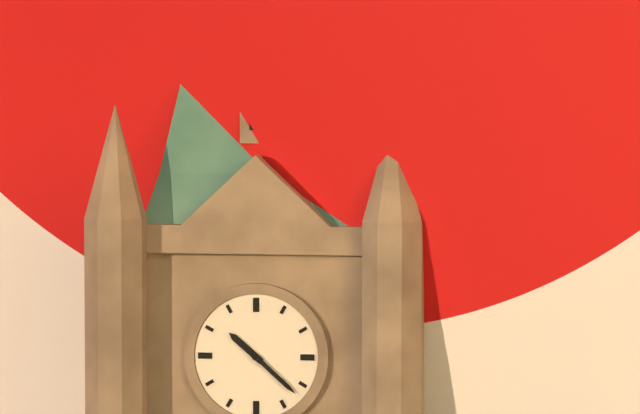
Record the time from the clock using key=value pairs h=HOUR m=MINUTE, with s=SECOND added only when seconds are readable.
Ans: h=10 m=22
